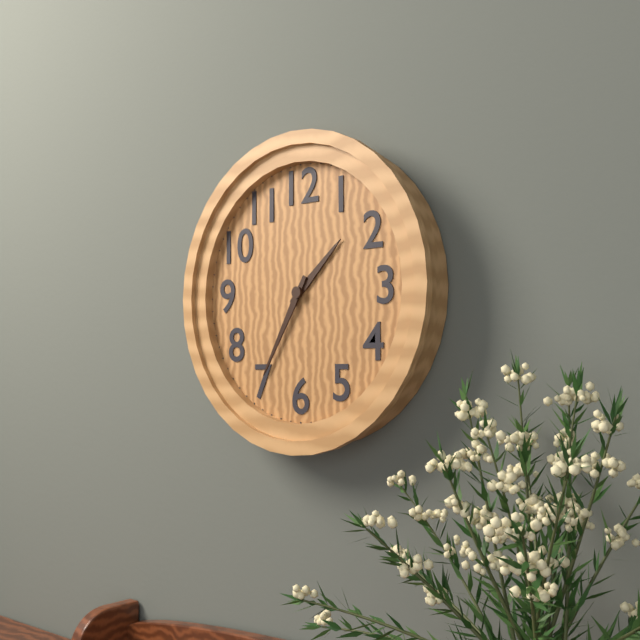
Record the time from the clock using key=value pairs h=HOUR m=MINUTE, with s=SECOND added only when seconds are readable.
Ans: h=1 m=35
